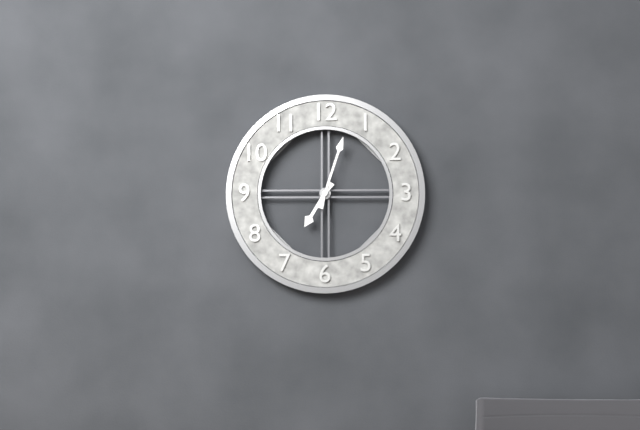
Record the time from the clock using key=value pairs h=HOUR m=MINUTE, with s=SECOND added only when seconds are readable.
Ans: h=7 m=3
